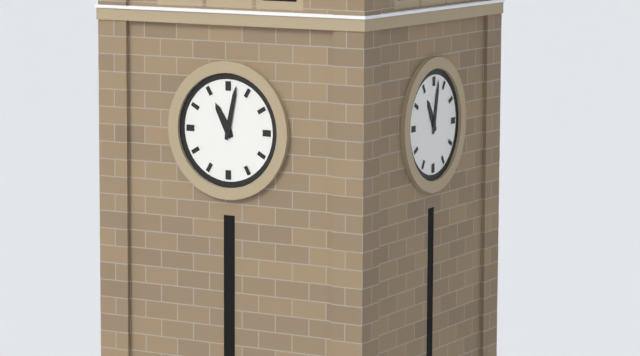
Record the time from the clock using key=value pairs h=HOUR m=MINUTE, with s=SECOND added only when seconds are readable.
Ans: h=11 m=2
